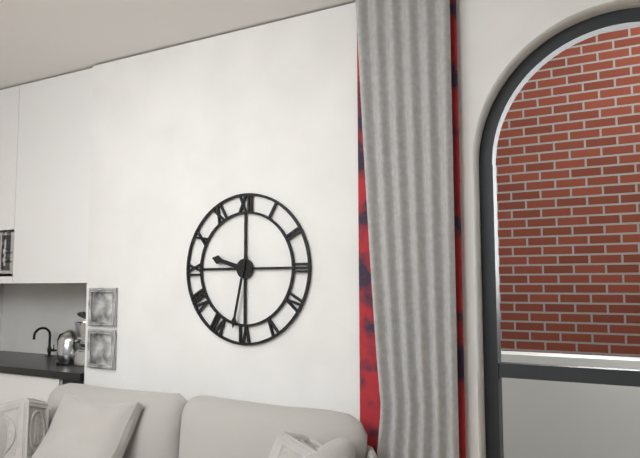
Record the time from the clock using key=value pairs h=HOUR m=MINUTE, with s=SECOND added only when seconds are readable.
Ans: h=9 m=32
